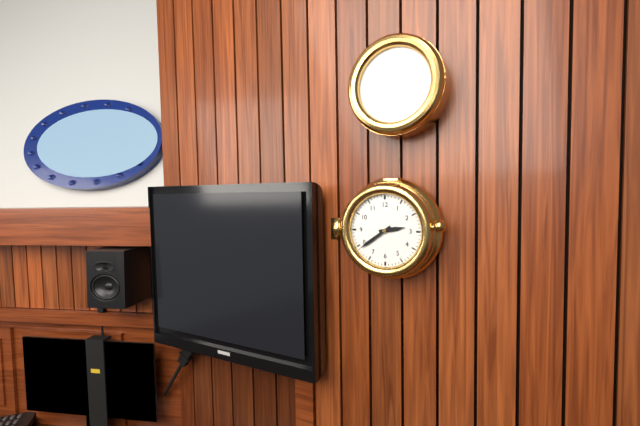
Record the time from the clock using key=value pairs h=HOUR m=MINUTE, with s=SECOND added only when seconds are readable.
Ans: h=2 m=39
